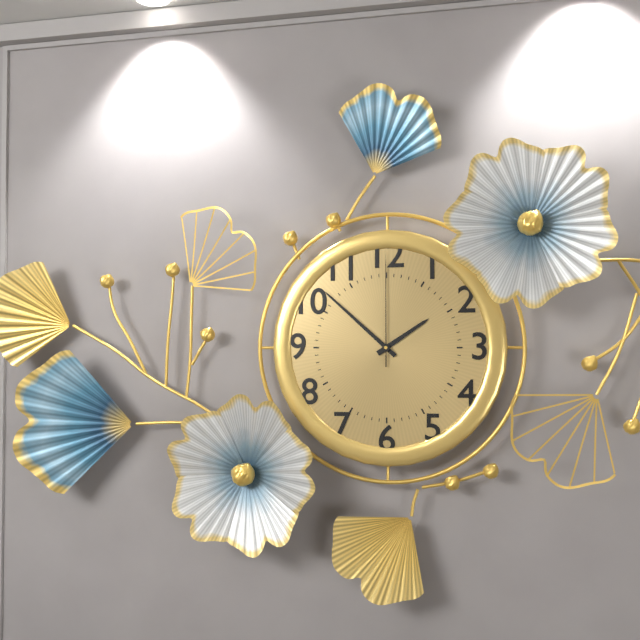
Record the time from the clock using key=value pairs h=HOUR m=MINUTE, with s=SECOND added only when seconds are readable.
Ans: h=1 m=52 s=0
